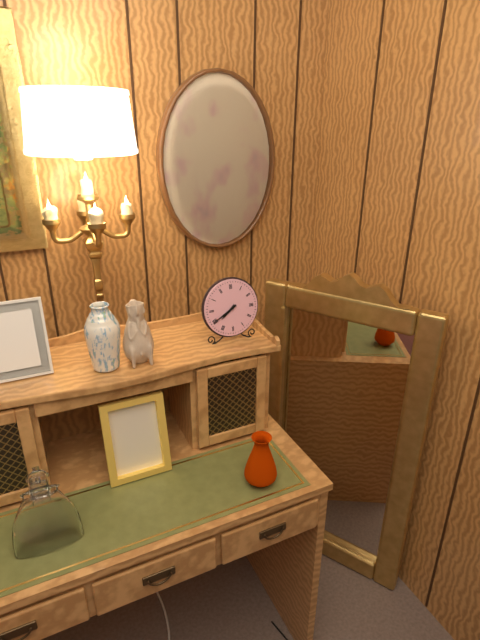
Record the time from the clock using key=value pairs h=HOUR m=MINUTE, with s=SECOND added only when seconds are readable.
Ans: h=7 m=40
